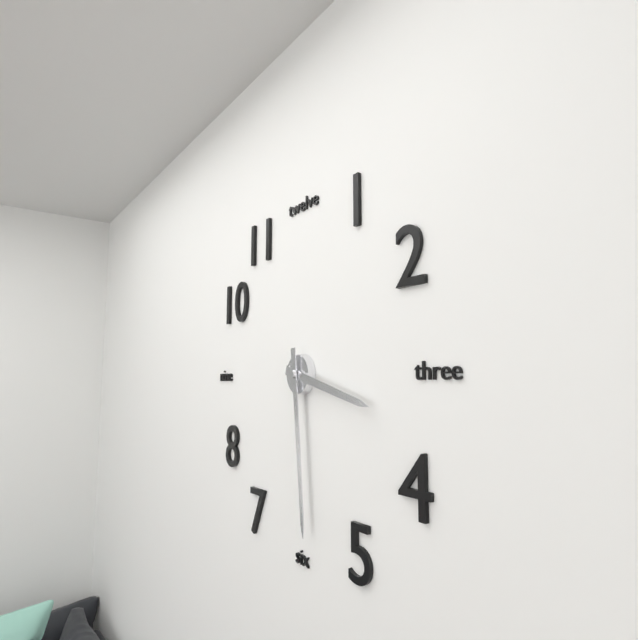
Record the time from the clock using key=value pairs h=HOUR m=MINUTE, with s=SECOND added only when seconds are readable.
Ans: h=3 m=29
